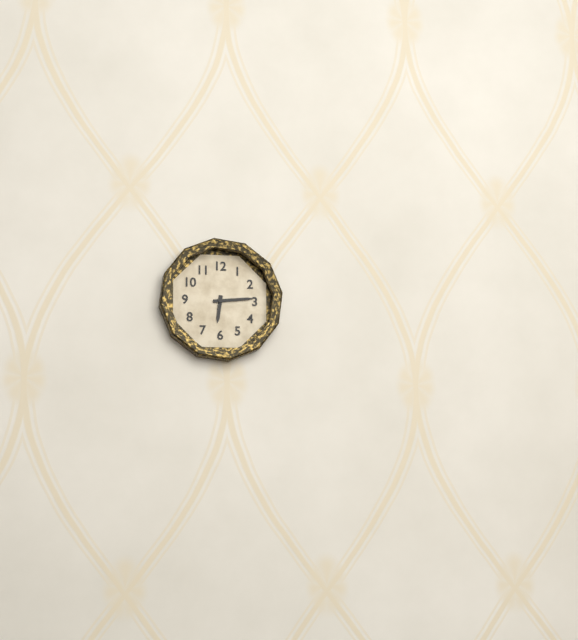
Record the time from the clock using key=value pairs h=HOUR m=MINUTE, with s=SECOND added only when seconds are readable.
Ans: h=6 m=14
